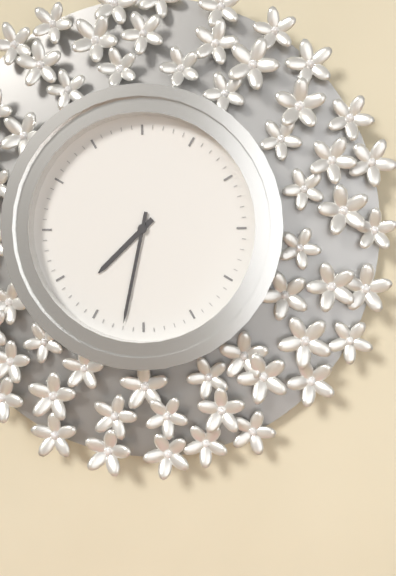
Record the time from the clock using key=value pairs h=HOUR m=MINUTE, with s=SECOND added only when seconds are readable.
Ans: h=7 m=32
